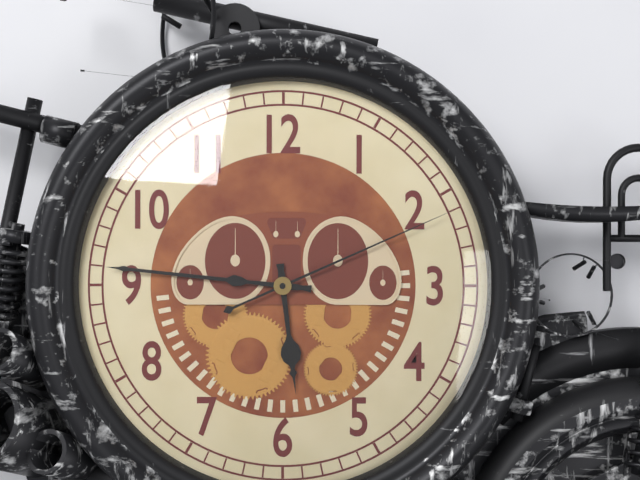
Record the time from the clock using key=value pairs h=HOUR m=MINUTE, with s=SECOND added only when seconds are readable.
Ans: h=5 m=46 s=11
